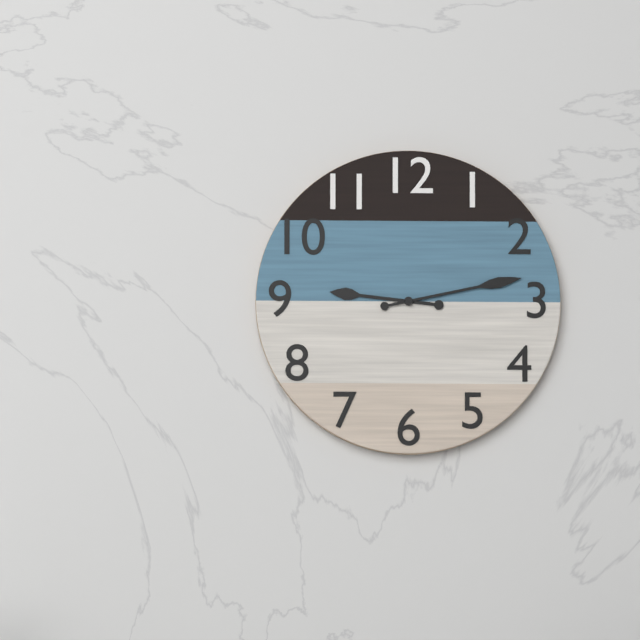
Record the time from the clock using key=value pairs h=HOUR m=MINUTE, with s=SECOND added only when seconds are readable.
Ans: h=9 m=13
